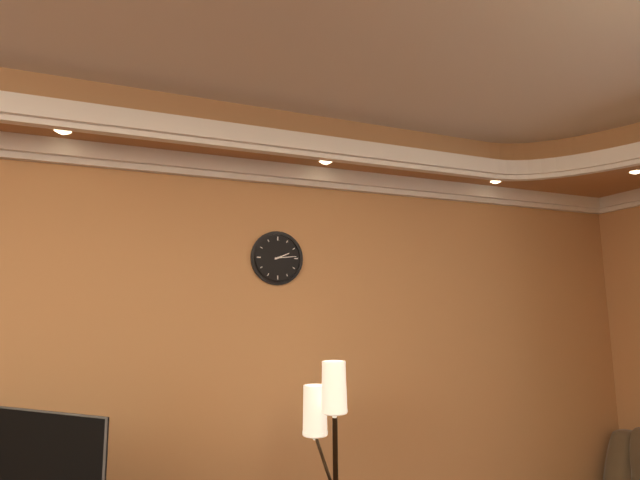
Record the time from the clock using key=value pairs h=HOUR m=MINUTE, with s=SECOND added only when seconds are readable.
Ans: h=2 m=14
